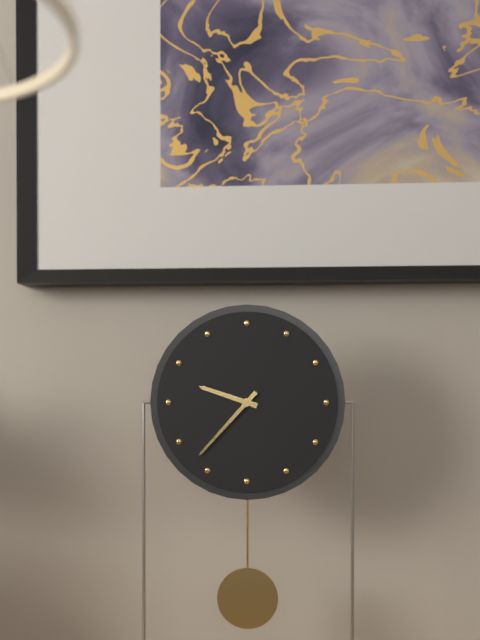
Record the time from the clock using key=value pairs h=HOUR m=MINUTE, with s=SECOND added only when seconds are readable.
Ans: h=9 m=37
